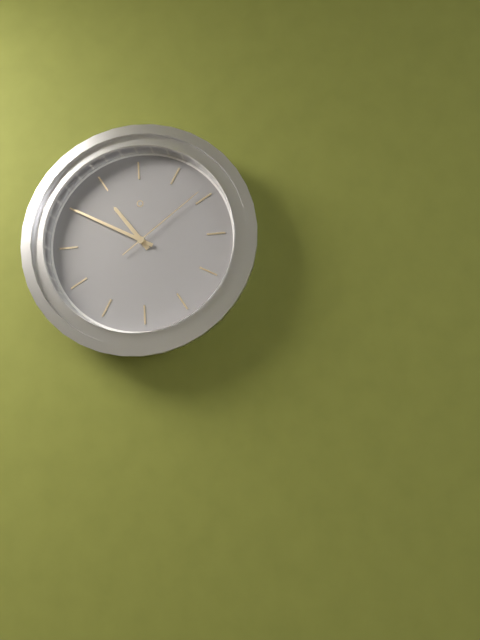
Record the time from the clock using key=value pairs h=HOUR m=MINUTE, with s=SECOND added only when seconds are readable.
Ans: h=10 m=50 s=9
